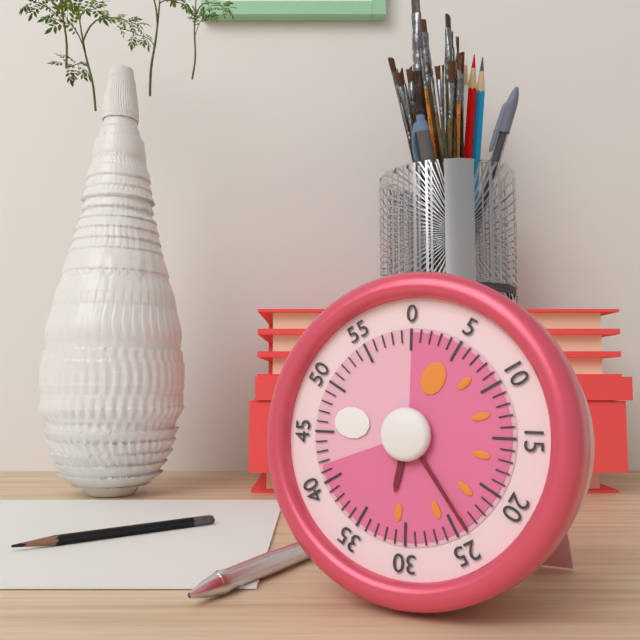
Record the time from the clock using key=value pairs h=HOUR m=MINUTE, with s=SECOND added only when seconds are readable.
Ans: h=6 m=24
